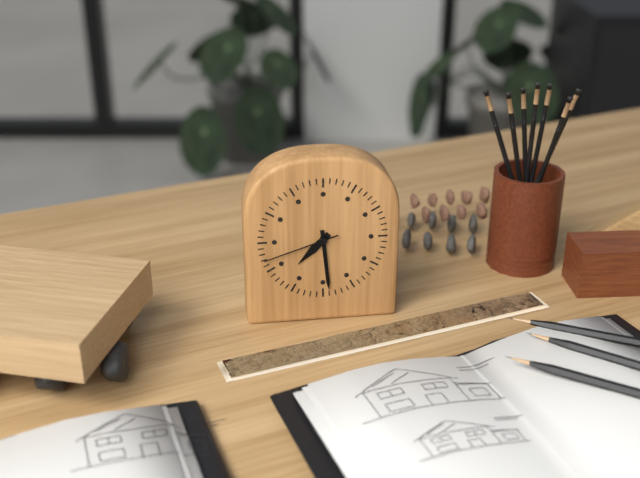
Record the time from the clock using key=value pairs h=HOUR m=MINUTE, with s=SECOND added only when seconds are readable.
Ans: h=7 m=29 s=42
